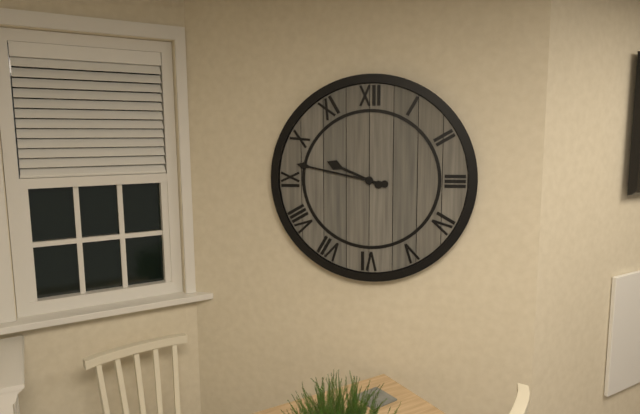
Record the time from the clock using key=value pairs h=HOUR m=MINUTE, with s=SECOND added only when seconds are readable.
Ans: h=9 m=47
